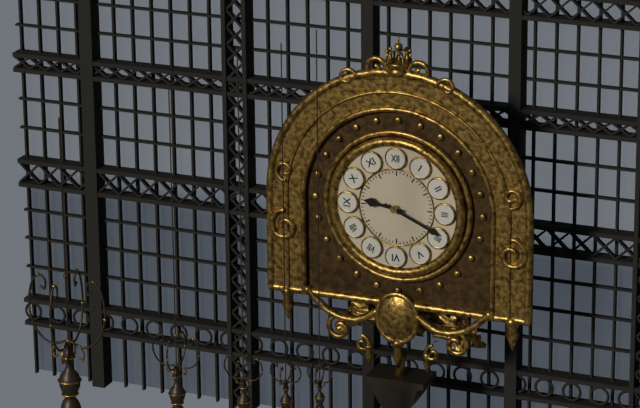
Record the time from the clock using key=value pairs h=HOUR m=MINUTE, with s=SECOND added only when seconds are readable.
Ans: h=9 m=19
